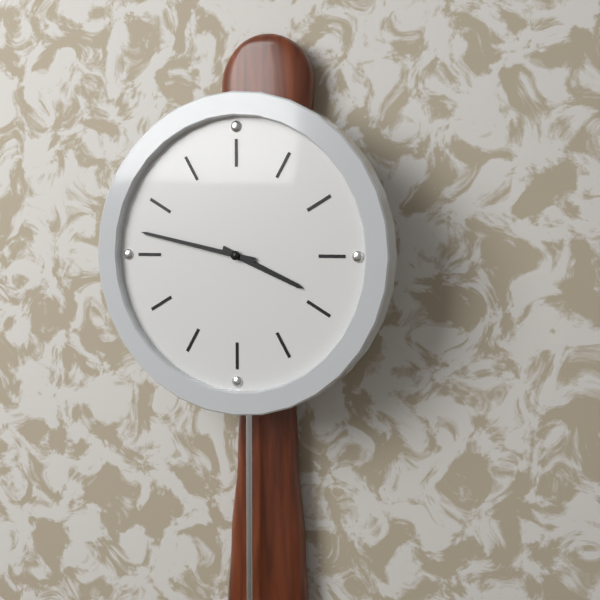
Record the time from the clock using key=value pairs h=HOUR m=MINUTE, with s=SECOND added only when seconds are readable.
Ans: h=3 m=47
